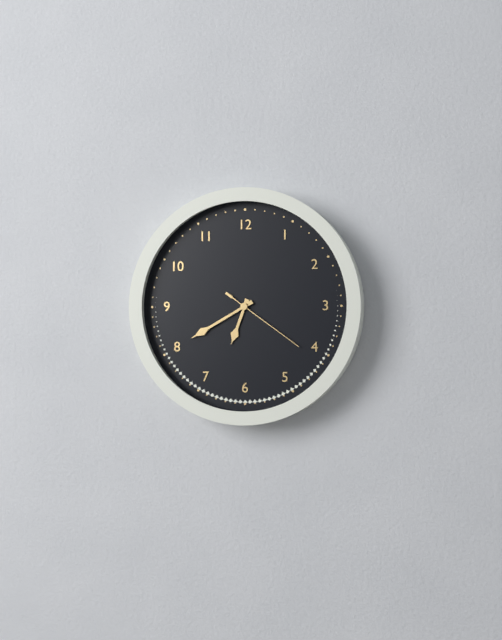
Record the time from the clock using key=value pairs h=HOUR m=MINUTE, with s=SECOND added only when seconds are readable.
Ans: h=6 m=40 s=21
